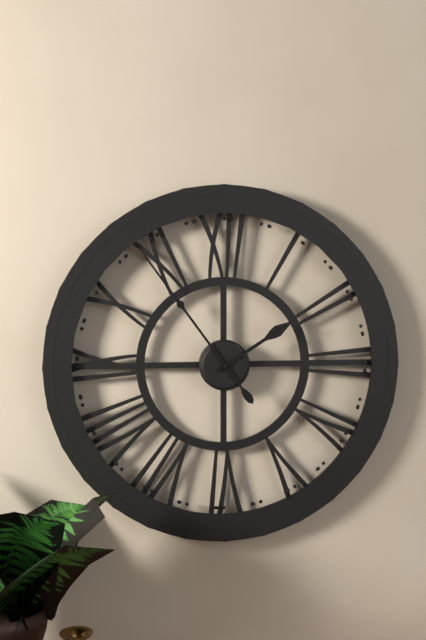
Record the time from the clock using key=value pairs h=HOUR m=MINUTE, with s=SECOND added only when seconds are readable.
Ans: h=1 m=54
